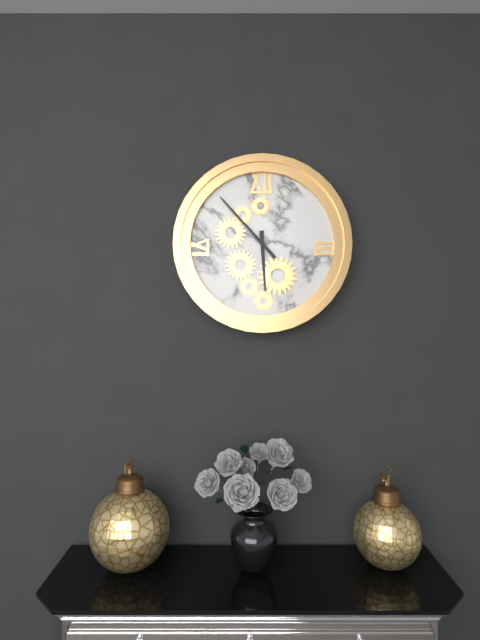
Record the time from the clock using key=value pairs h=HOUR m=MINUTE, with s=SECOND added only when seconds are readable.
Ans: h=5 m=53
